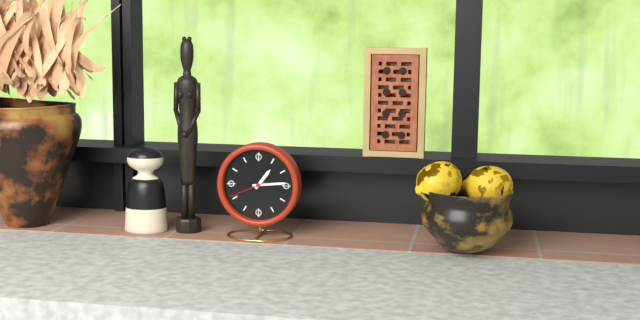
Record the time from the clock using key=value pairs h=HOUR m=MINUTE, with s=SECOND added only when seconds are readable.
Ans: h=1 m=14
